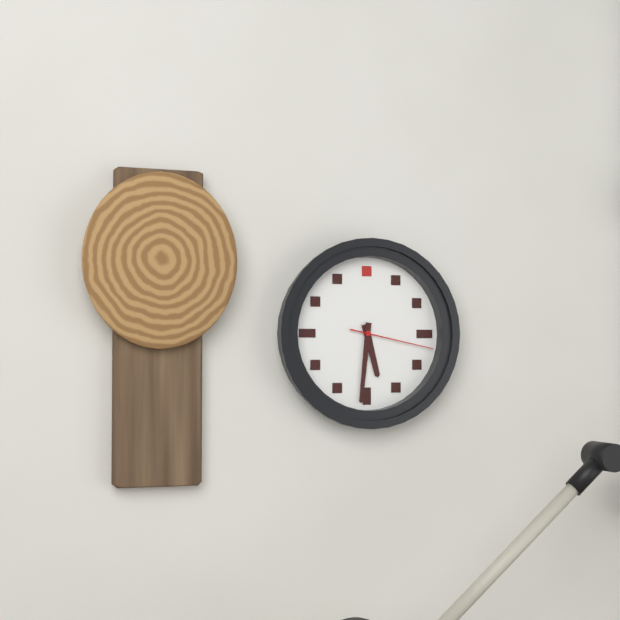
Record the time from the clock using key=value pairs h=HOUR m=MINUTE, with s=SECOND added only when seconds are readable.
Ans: h=5 m=31 s=17
